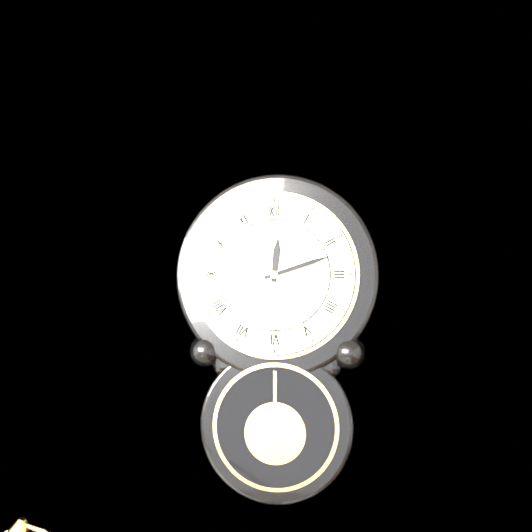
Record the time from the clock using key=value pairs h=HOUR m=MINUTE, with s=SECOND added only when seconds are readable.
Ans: h=12 m=12
